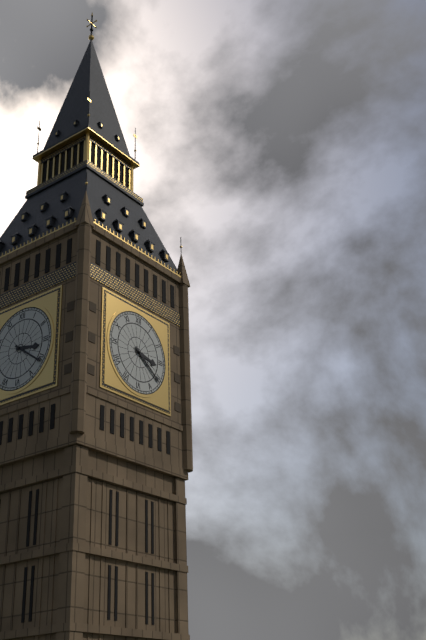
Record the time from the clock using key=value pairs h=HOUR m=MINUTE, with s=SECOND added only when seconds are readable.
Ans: h=3 m=21
